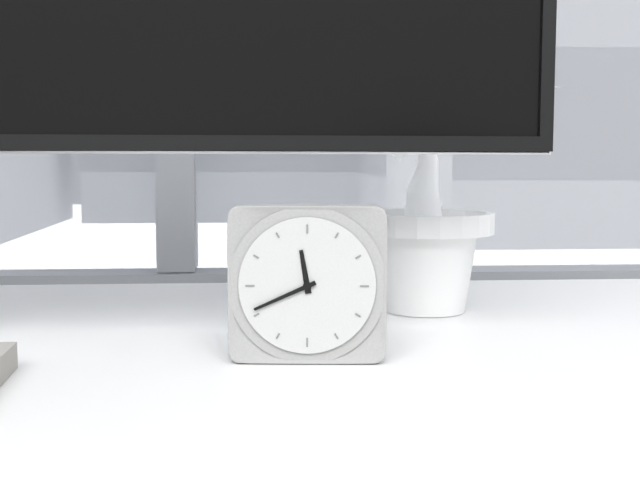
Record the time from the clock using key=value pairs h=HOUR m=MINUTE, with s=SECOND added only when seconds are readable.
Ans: h=11 m=41
